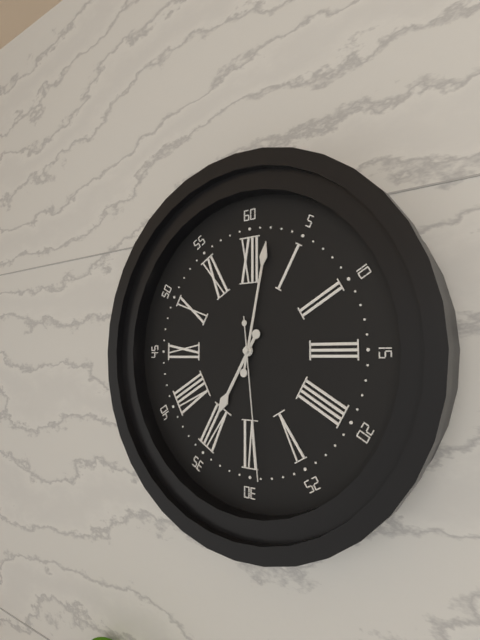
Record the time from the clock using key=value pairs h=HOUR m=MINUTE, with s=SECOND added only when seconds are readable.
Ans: h=7 m=2 s=29
